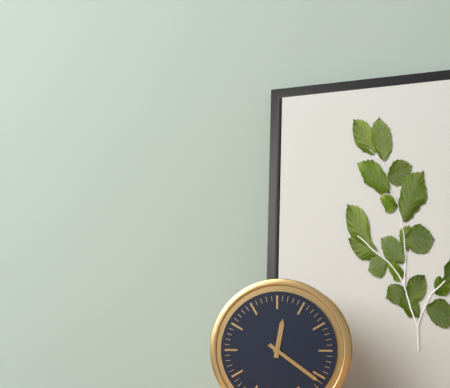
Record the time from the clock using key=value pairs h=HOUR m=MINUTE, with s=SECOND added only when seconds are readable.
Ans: h=12 m=21
